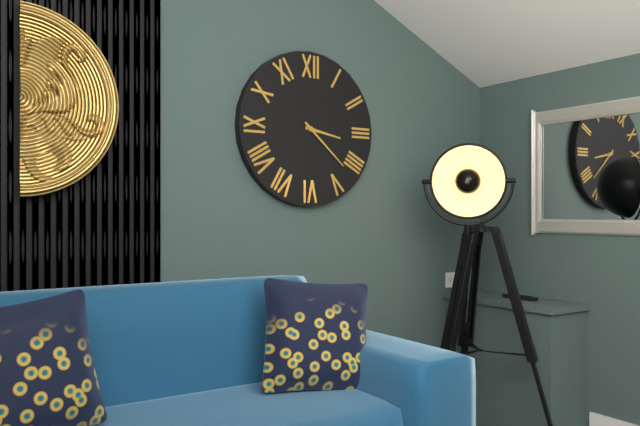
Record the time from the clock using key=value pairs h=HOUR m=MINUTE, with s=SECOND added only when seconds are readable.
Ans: h=3 m=22
